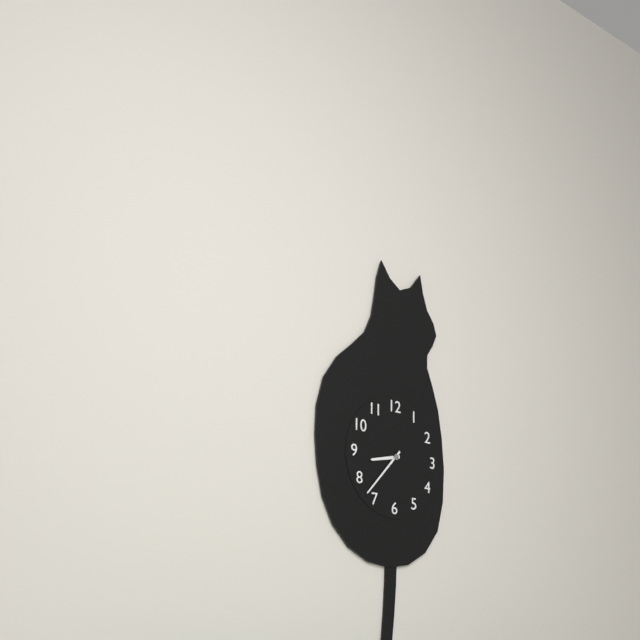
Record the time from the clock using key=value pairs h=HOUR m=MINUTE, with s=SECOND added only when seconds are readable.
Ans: h=8 m=37
